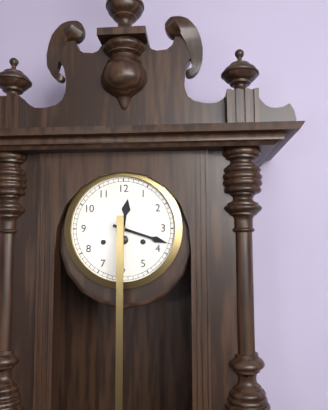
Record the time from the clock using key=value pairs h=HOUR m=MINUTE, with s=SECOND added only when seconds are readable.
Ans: h=12 m=18
